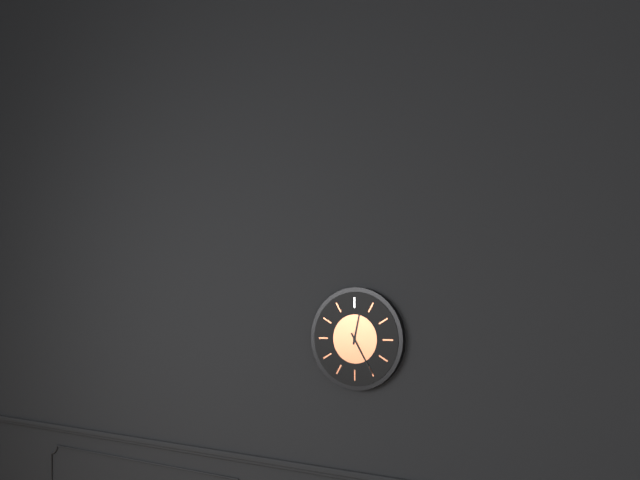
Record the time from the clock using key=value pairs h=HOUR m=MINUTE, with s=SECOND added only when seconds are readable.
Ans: h=12 m=25
